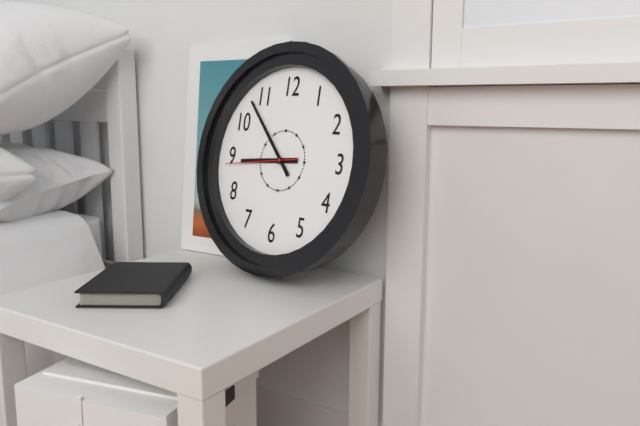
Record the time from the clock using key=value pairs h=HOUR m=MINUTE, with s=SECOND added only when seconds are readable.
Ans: h=8 m=53 s=44
